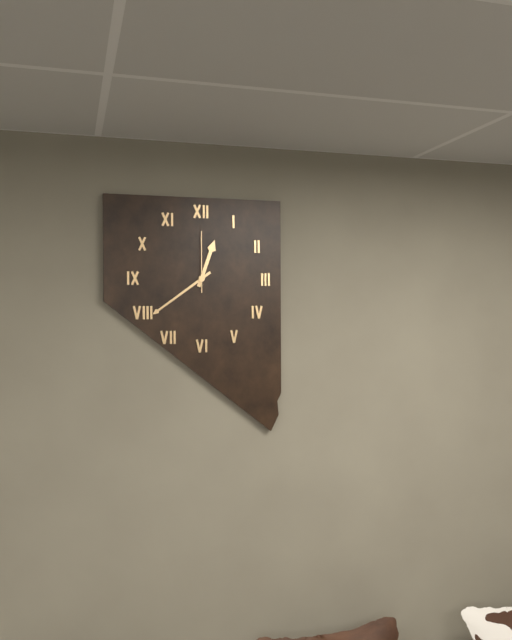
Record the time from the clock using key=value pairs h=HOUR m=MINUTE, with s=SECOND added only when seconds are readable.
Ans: h=12 m=39 s=0
